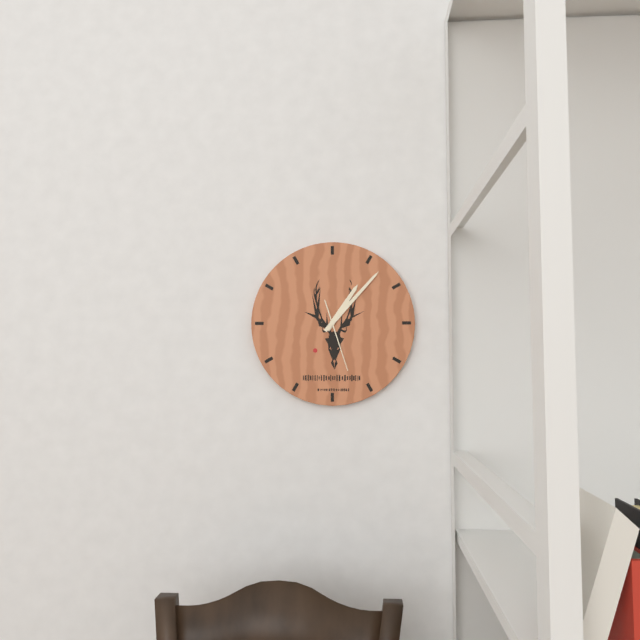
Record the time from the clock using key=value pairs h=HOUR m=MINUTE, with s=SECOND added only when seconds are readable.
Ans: h=1 m=7 s=27
